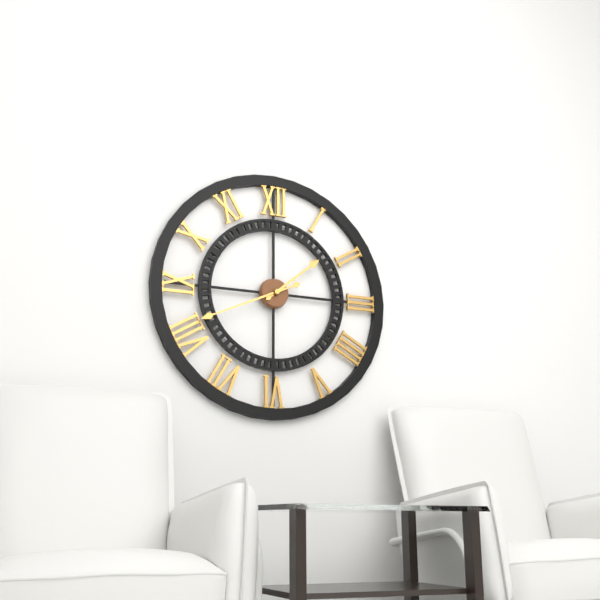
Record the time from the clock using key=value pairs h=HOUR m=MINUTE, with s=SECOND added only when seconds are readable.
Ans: h=1 m=41
